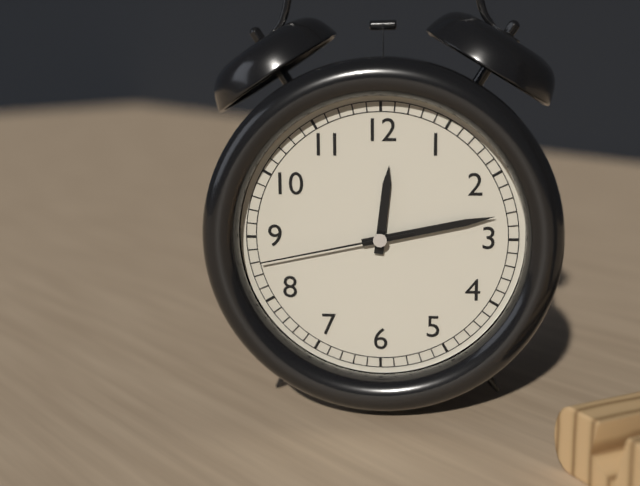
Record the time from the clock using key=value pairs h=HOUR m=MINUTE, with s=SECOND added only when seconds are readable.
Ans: h=12 m=13 s=43
